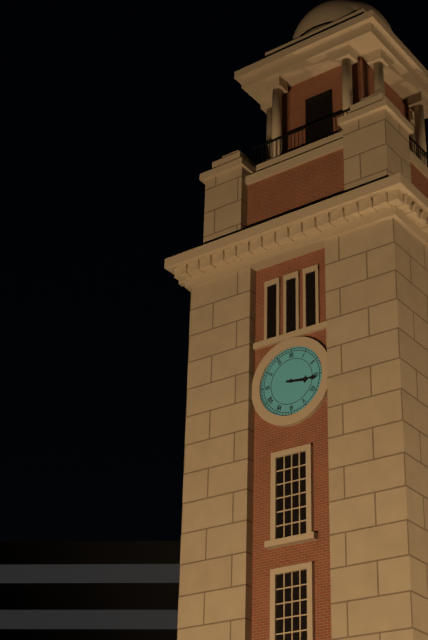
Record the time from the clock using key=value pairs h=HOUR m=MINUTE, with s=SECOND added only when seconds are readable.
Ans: h=3 m=16
